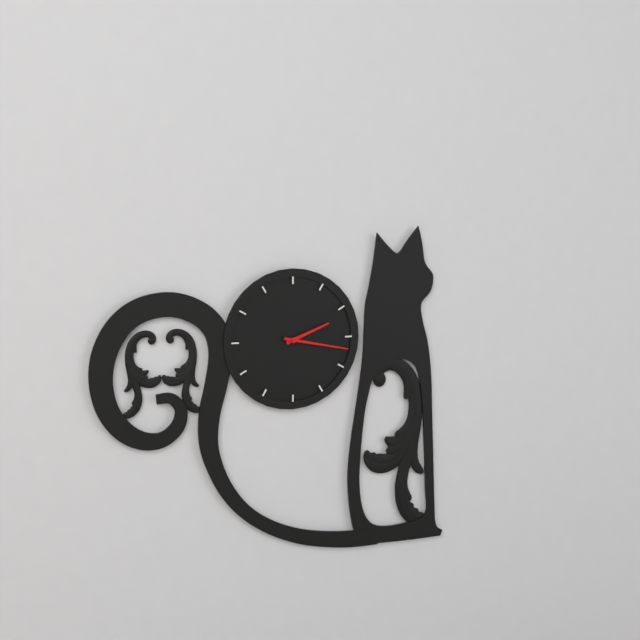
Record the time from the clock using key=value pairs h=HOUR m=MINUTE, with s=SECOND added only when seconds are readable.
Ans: h=2 m=17
